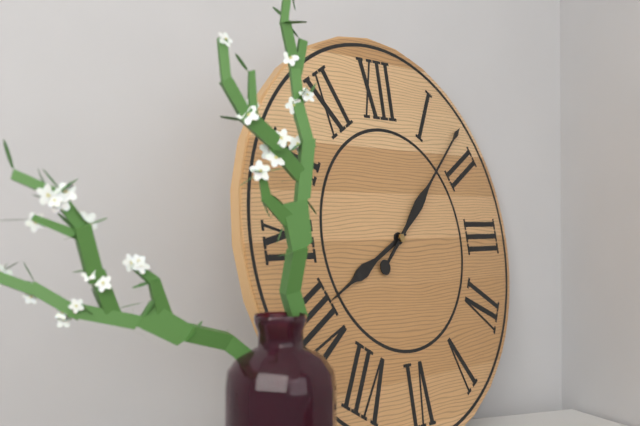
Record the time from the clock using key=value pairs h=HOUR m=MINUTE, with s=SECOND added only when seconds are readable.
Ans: h=8 m=8
